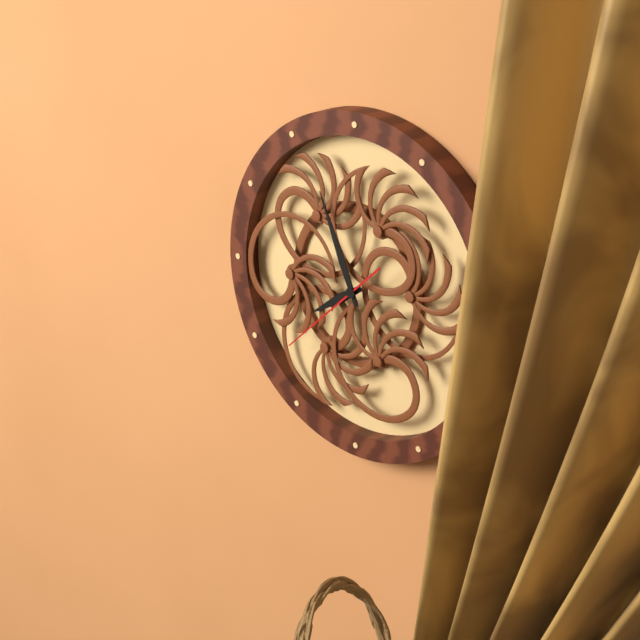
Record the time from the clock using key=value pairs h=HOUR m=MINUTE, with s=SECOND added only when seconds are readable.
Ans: h=7 m=56 s=38
